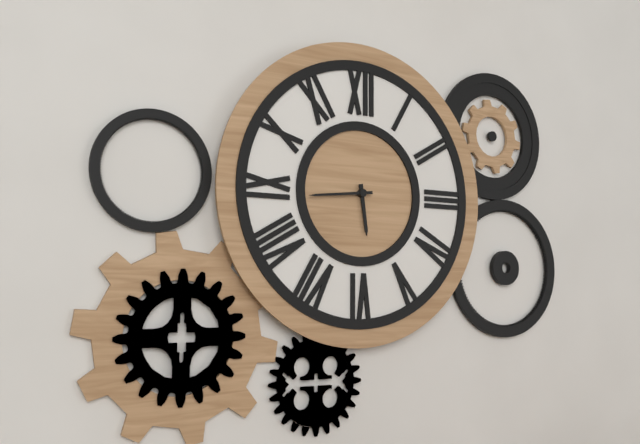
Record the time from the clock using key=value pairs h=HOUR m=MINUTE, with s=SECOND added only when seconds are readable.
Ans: h=5 m=44
